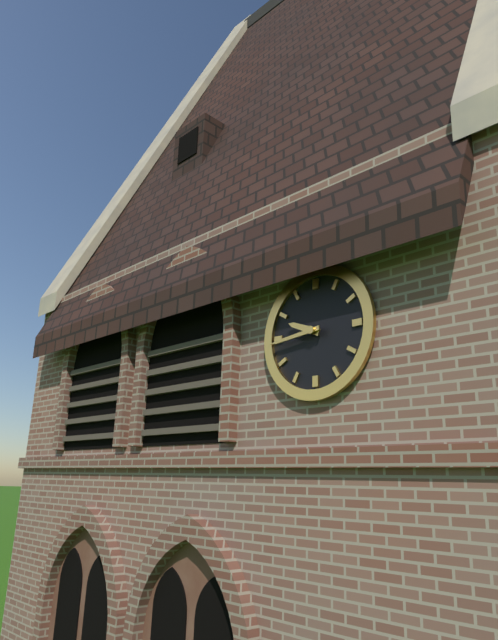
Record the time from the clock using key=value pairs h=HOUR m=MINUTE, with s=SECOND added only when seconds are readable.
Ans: h=9 m=44
